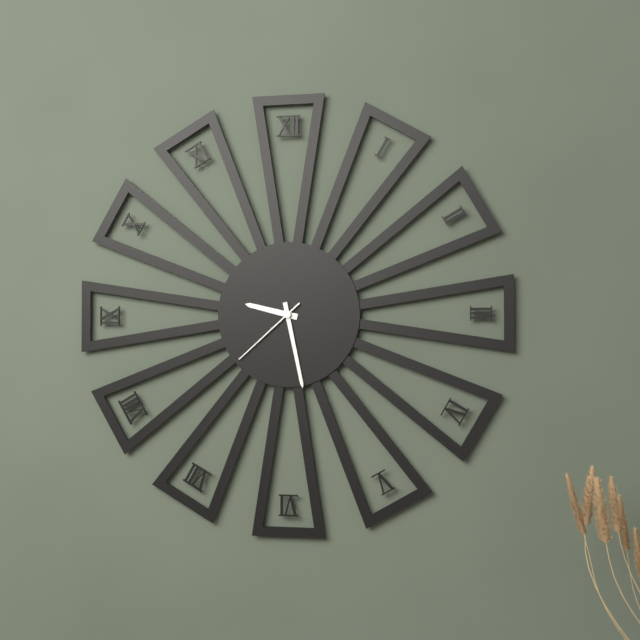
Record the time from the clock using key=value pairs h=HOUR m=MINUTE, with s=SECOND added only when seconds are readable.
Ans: h=9 m=28 s=38
